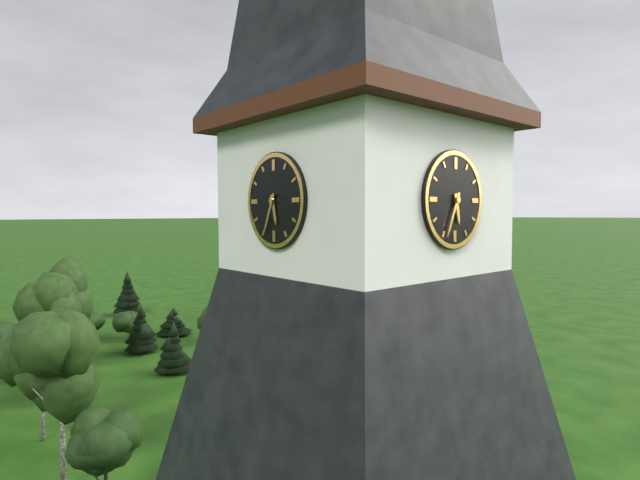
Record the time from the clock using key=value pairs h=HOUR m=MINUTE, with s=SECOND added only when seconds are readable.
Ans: h=5 m=34
